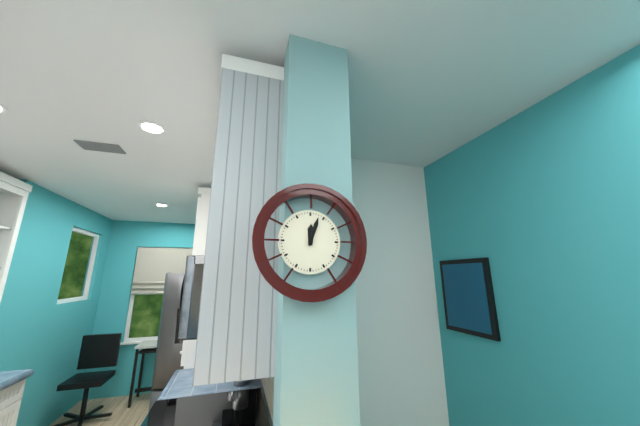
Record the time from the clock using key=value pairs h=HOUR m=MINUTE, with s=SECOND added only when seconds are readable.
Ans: h=12 m=3
